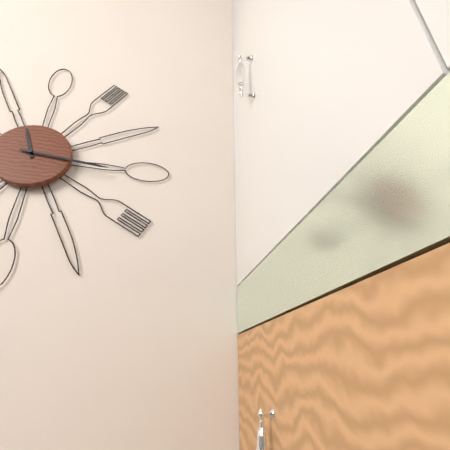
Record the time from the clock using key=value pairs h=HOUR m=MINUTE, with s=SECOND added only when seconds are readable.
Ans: h=11 m=16
